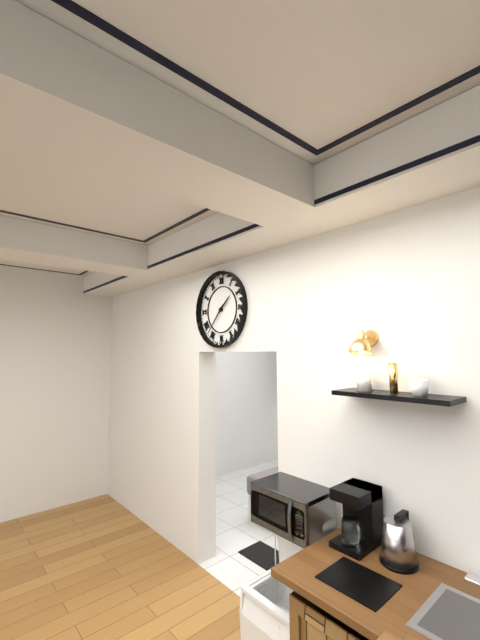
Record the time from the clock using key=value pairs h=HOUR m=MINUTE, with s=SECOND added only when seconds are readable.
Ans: h=1 m=37
